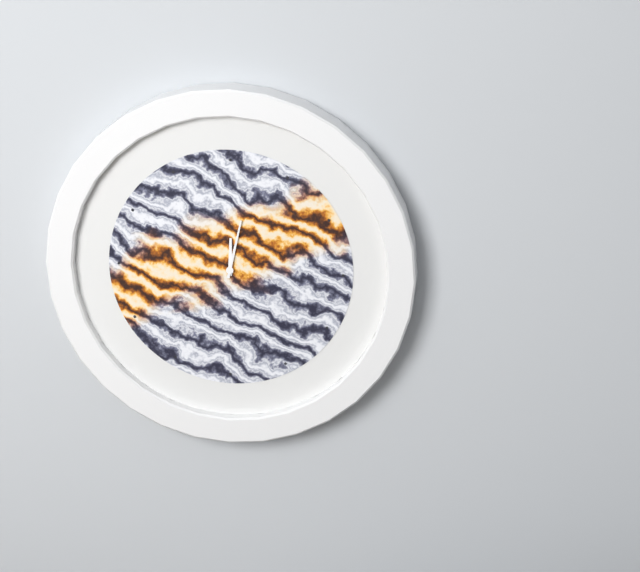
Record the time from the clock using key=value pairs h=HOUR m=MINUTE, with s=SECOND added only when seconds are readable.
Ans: h=12 m=2
